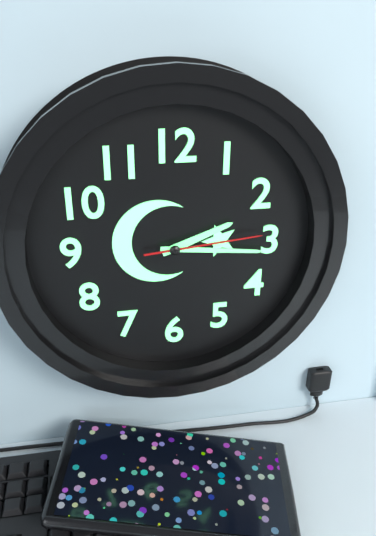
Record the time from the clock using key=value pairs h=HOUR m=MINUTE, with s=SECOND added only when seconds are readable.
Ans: h=2 m=16 s=14
